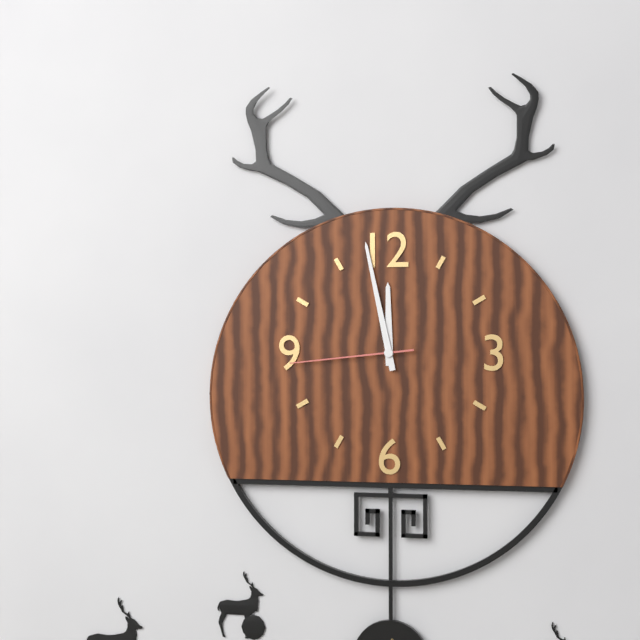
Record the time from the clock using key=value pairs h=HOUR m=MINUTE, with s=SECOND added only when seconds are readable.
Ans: h=11 m=58 s=44
